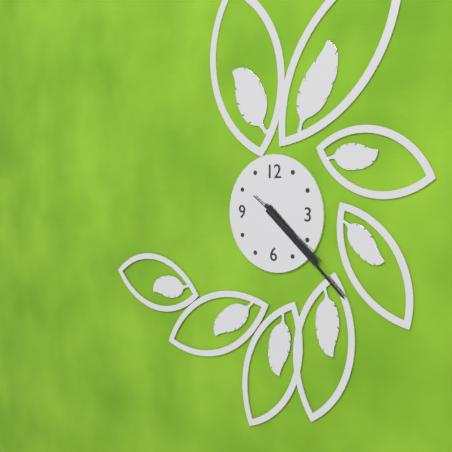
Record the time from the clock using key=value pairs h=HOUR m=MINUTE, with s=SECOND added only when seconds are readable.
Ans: h=4 m=22 s=21
